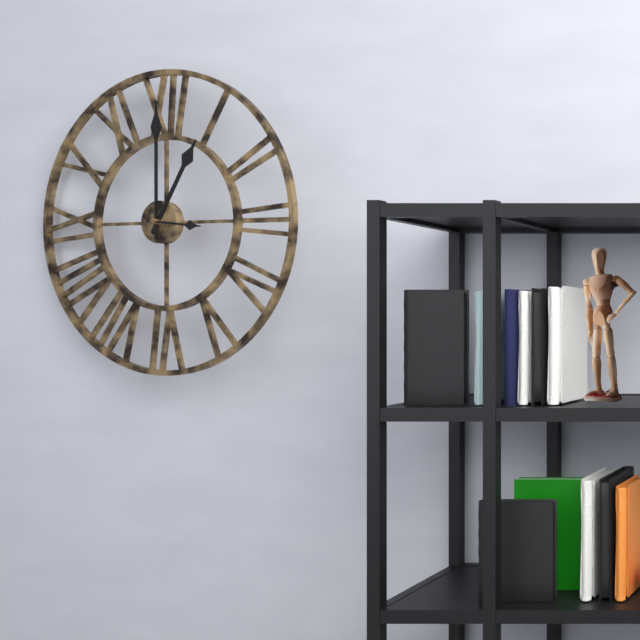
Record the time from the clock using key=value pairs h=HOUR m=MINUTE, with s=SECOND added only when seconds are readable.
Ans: h=1 m=0
